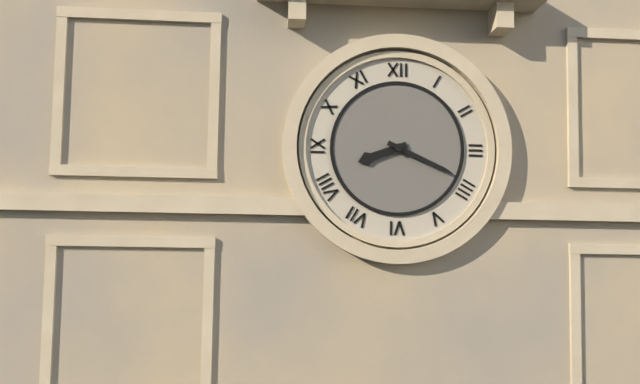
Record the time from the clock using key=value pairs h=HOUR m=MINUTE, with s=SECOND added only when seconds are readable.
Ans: h=8 m=19
